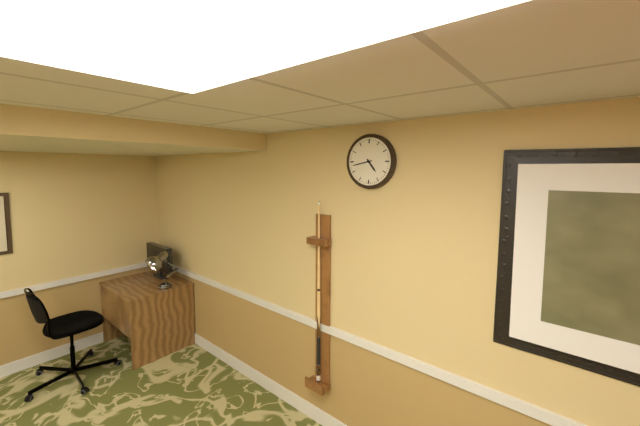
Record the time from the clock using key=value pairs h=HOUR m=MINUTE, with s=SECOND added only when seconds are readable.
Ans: h=4 m=43
